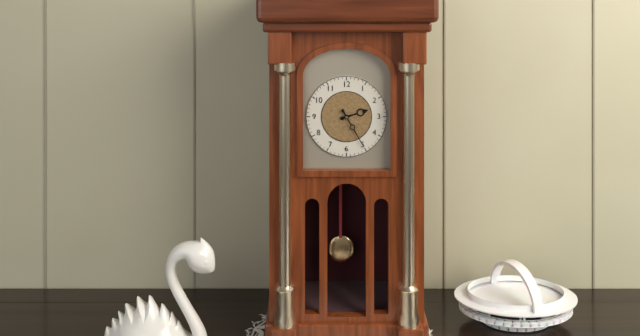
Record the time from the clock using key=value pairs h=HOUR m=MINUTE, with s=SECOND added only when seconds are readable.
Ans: h=2 m=25
